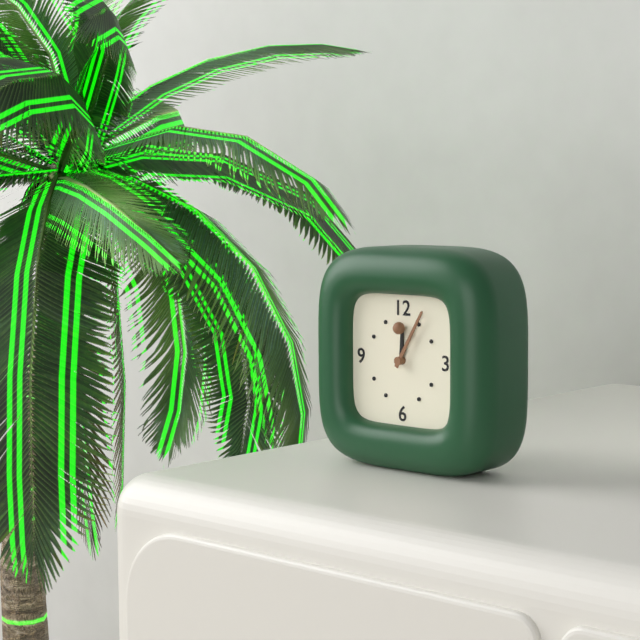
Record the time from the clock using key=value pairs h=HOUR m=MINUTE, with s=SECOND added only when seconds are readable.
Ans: h=12 m=5
